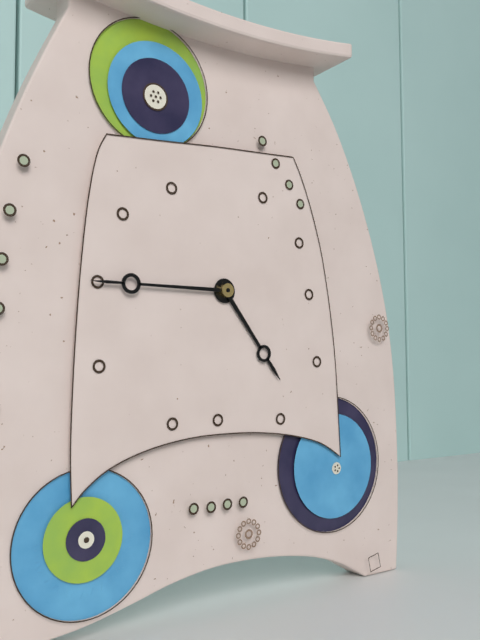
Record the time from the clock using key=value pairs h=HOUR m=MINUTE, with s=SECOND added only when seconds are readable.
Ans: h=4 m=45
